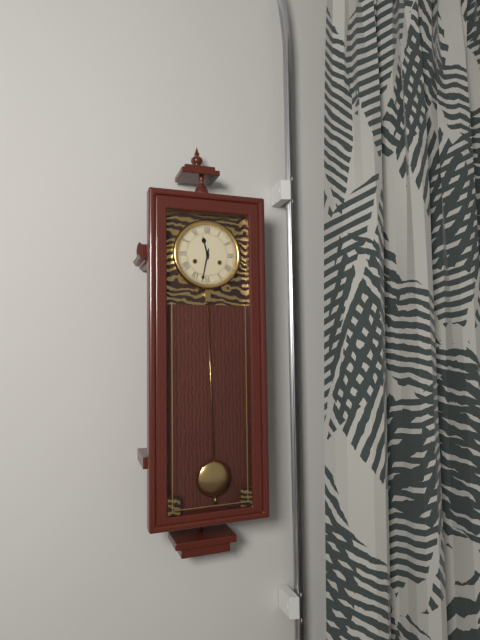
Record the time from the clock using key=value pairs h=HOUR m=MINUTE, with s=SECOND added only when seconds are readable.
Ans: h=11 m=32
